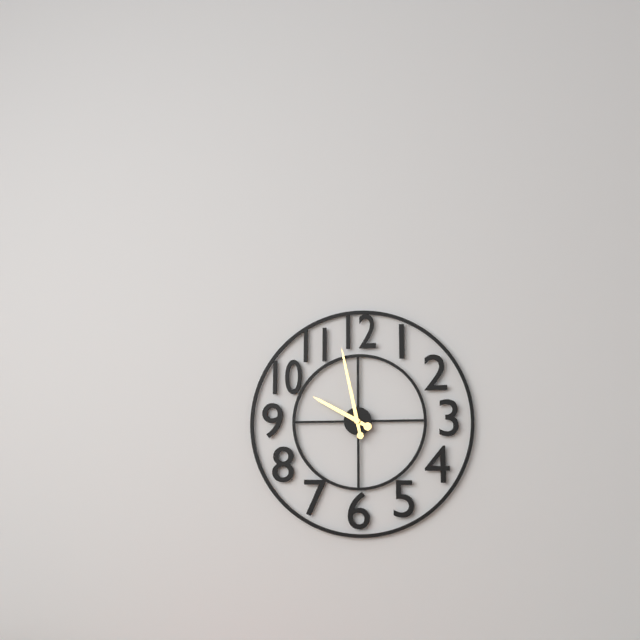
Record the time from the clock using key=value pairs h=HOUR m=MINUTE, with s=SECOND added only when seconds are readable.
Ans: h=9 m=58
